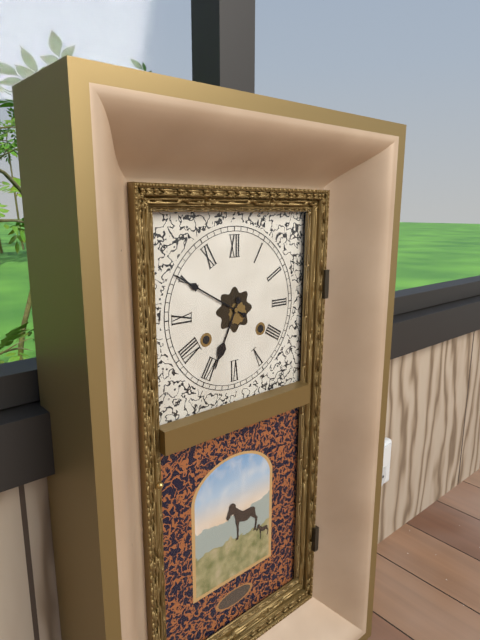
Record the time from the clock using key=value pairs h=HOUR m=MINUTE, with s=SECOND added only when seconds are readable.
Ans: h=6 m=50
